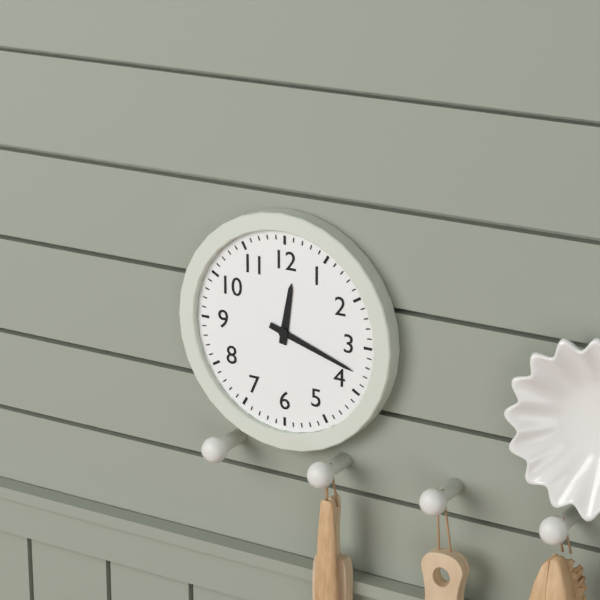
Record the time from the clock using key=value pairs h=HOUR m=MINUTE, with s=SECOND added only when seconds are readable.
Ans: h=12 m=18
